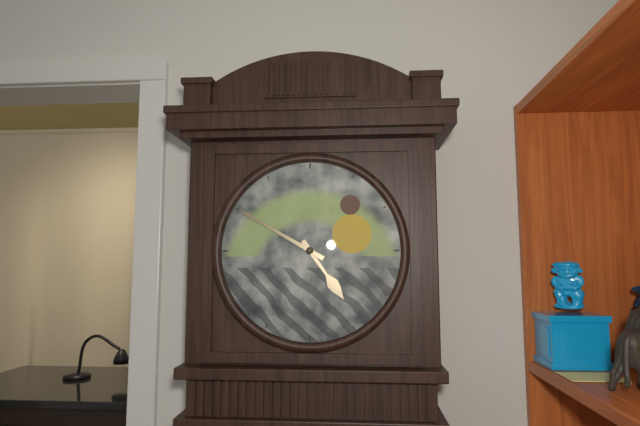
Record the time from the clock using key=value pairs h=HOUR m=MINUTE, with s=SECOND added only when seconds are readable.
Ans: h=4 m=50
